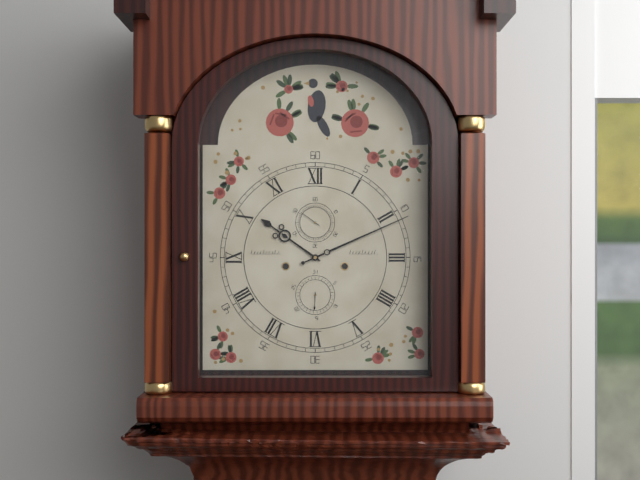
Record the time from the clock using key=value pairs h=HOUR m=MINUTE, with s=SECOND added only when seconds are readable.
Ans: h=10 m=11
